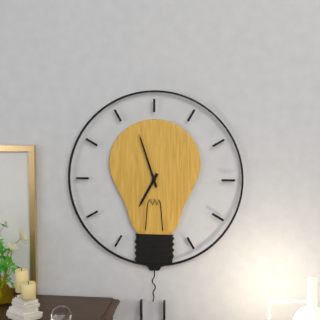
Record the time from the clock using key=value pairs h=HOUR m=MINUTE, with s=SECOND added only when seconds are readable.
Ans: h=6 m=57
